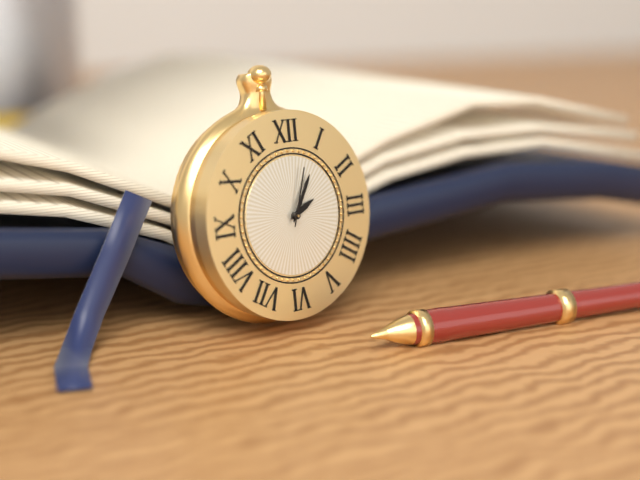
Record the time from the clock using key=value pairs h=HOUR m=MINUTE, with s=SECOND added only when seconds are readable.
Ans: h=2 m=5 s=3
